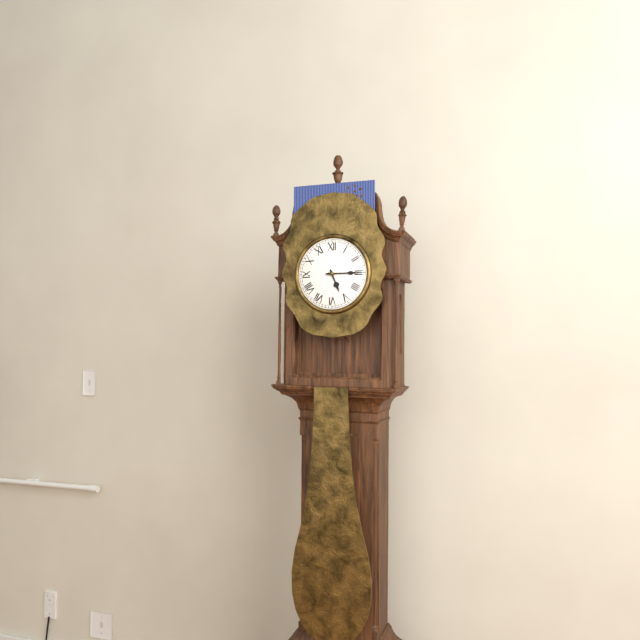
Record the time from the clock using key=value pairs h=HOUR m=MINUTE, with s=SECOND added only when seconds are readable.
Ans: h=5 m=15
